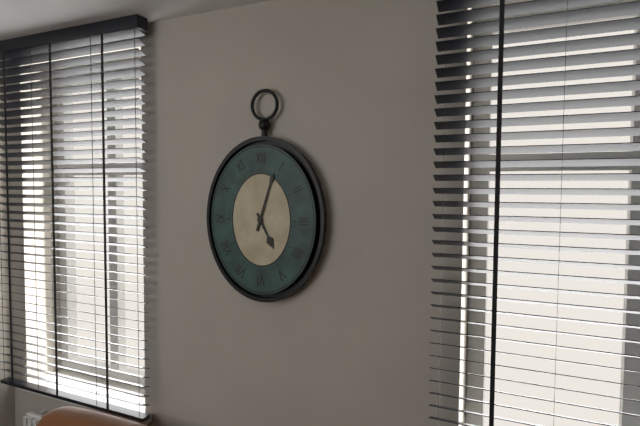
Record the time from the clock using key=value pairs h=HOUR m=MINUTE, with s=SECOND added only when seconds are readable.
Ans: h=5 m=3
